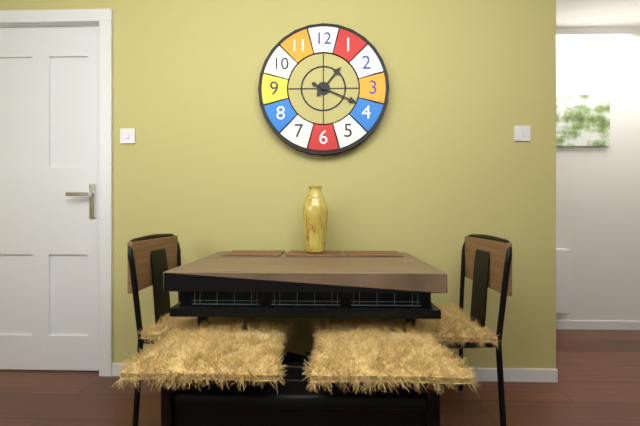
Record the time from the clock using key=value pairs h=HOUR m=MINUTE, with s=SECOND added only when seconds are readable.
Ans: h=1 m=19
